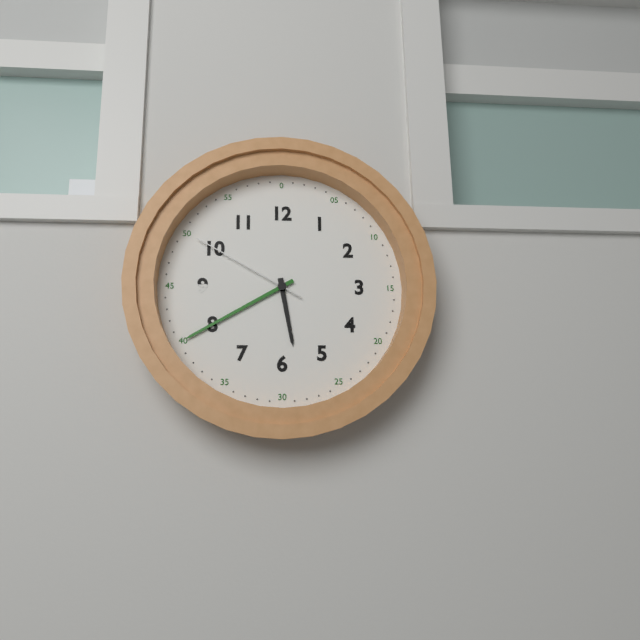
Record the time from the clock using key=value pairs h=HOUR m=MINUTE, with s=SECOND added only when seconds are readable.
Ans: h=5 m=40 s=50
